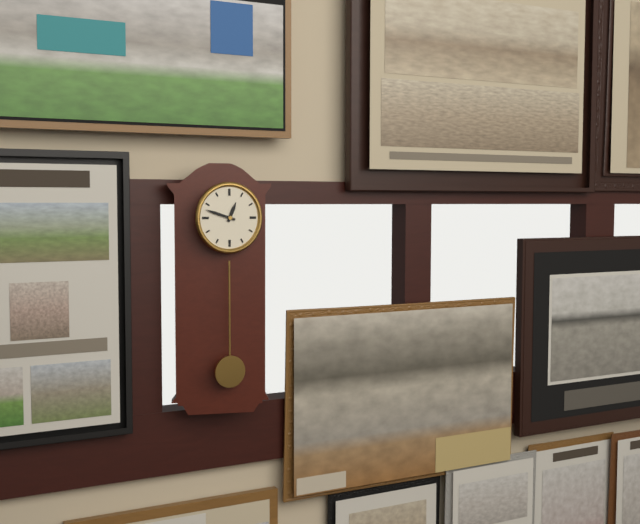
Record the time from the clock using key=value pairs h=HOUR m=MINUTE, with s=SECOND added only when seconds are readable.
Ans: h=12 m=48
